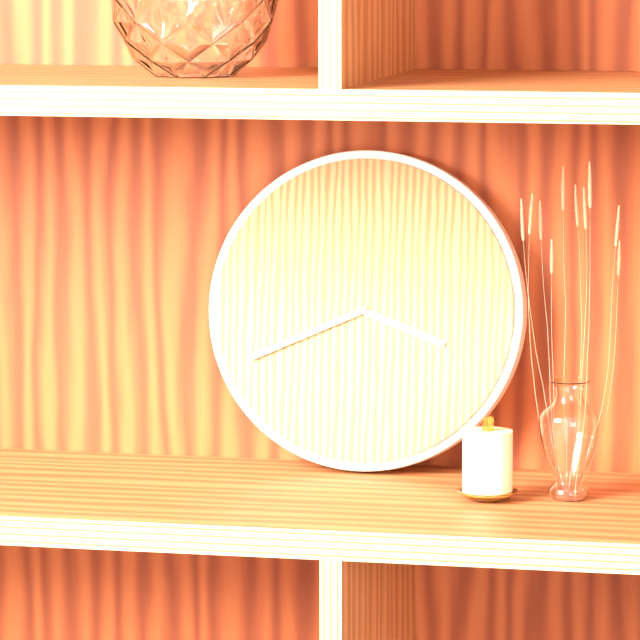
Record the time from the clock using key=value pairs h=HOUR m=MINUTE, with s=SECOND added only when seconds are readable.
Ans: h=3 m=41
